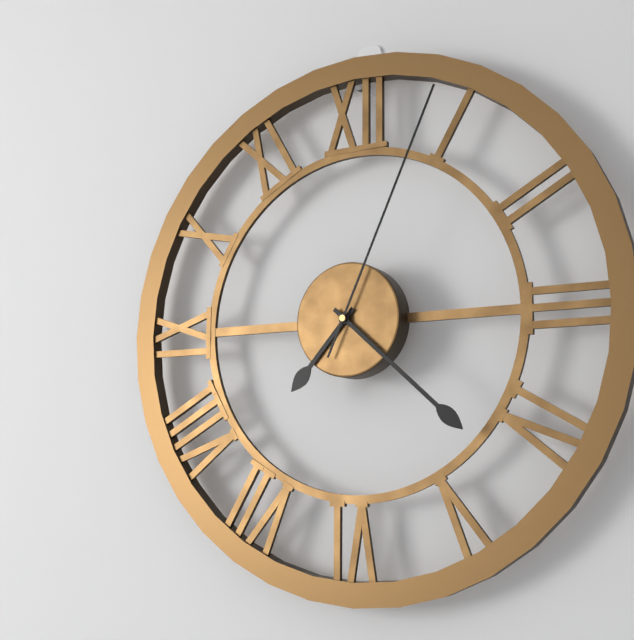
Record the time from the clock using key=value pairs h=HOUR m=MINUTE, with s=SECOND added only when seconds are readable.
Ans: h=7 m=22 s=4
